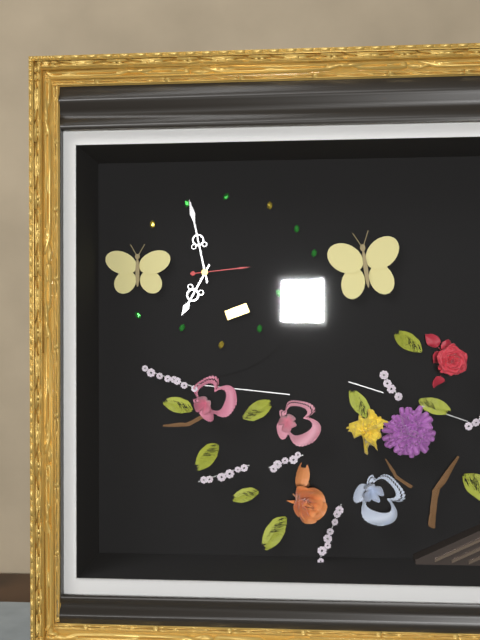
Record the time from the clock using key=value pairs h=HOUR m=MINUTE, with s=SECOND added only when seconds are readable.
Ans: h=6 m=58 s=14
